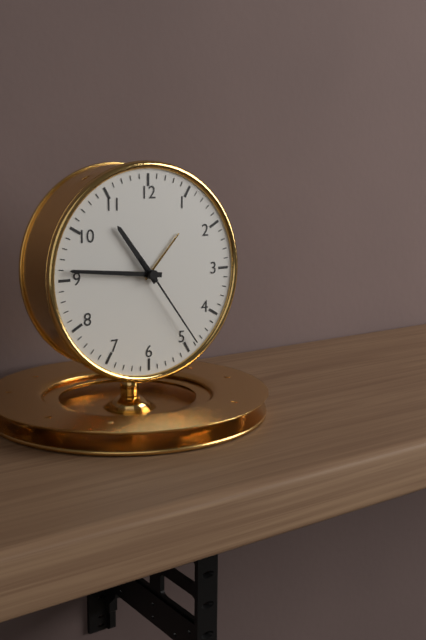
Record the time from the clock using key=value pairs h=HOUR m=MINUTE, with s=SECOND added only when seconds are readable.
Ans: h=10 m=46 s=24
